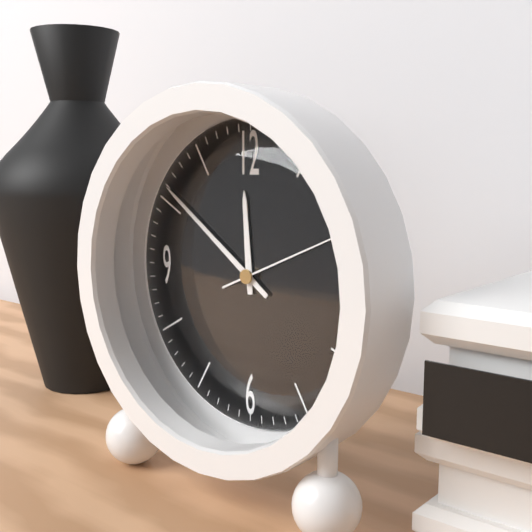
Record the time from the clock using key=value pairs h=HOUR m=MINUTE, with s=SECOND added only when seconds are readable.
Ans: h=11 m=51 s=11
